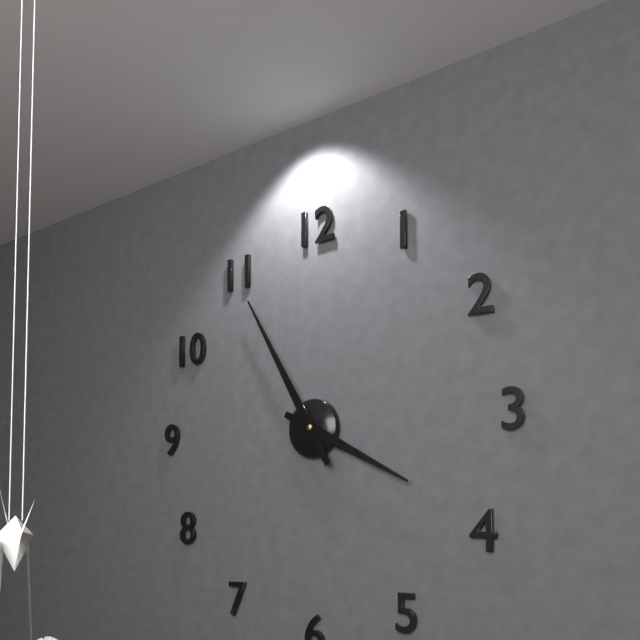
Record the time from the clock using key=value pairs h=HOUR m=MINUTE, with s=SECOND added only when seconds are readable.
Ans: h=3 m=55
